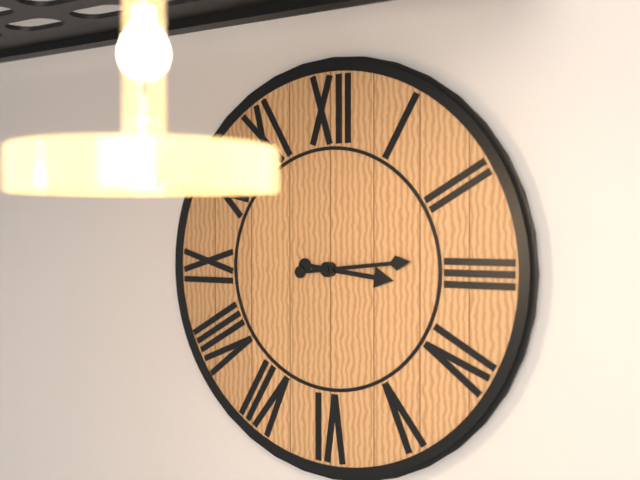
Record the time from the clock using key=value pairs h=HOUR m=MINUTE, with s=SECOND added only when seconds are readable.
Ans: h=3 m=14
